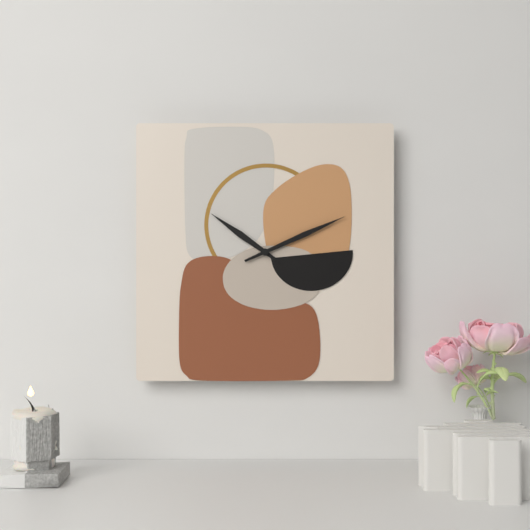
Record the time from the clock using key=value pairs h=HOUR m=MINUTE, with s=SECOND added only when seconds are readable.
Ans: h=10 m=11
